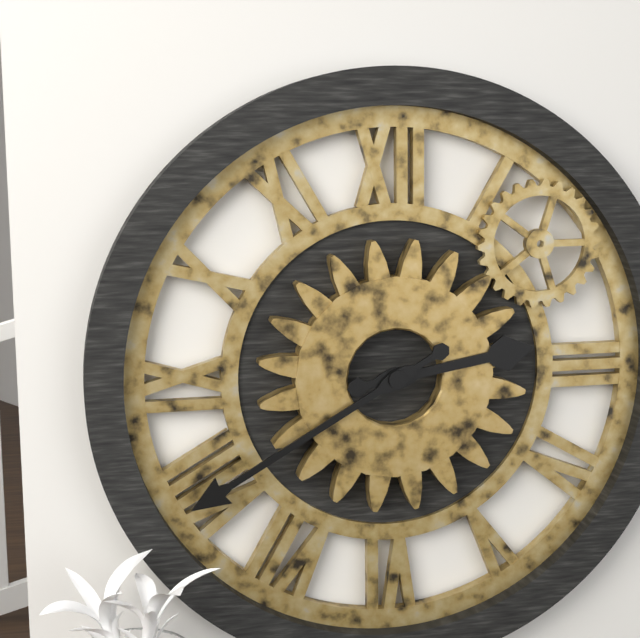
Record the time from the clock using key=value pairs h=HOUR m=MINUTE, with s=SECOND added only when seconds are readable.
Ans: h=2 m=40
